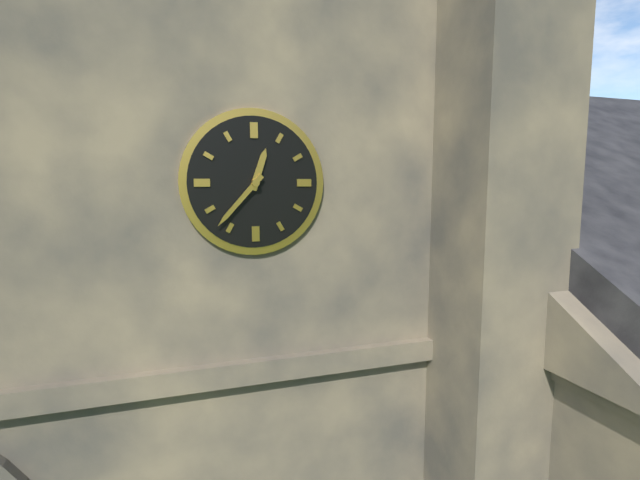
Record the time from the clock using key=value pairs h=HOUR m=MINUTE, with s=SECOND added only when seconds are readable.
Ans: h=12 m=37
